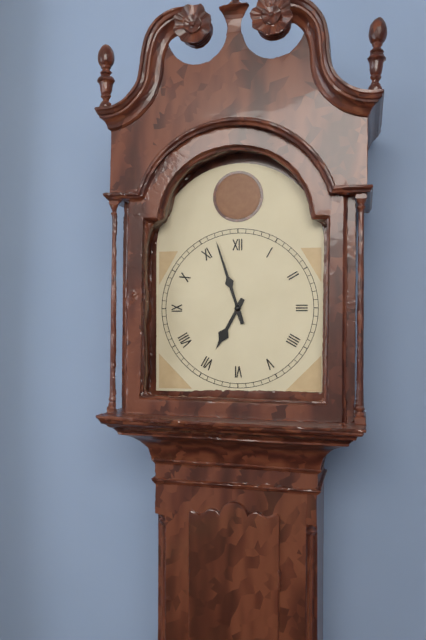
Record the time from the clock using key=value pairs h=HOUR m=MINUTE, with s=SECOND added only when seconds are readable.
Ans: h=6 m=57
